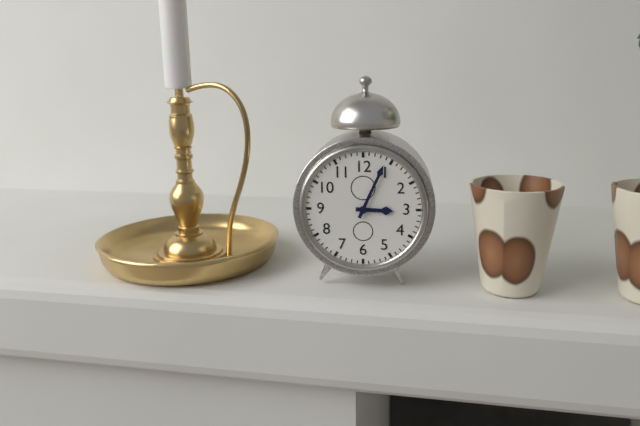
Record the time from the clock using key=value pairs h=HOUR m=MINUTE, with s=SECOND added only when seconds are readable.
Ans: h=3 m=4
